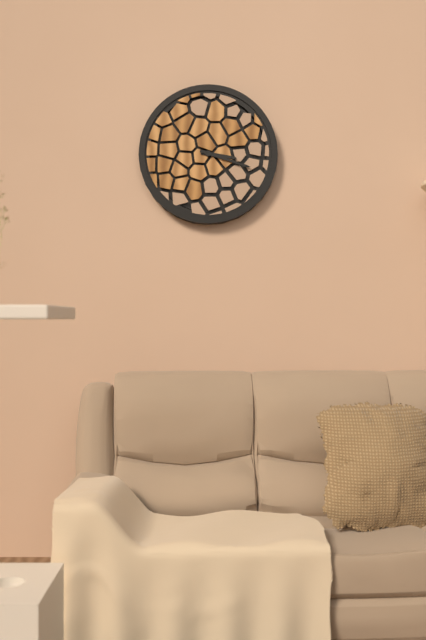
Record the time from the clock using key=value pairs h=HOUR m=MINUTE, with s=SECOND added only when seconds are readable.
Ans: h=3 m=18
